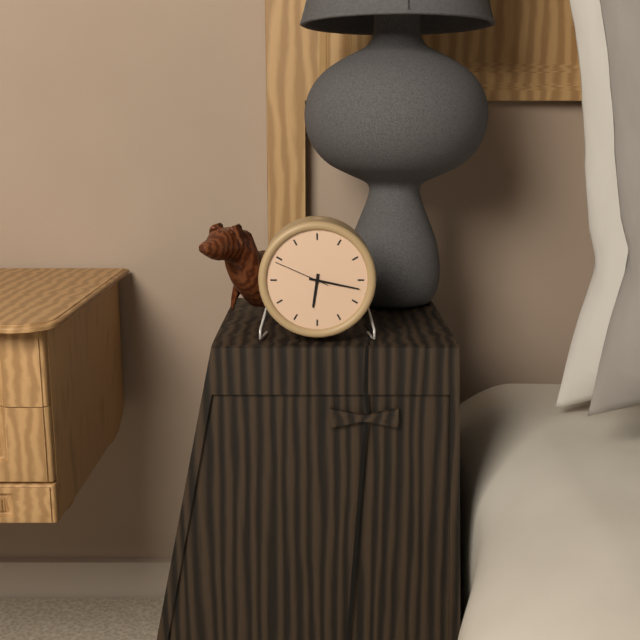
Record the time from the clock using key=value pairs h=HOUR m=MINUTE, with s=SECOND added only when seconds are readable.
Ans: h=6 m=17 s=49
